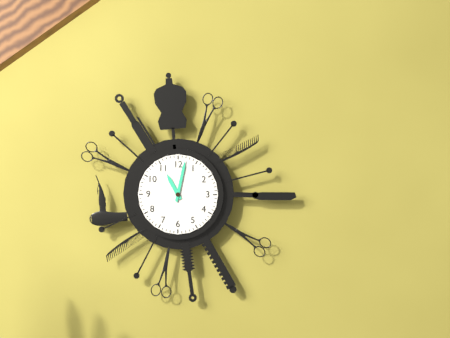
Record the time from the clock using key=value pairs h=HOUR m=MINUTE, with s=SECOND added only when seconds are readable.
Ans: h=11 m=2
